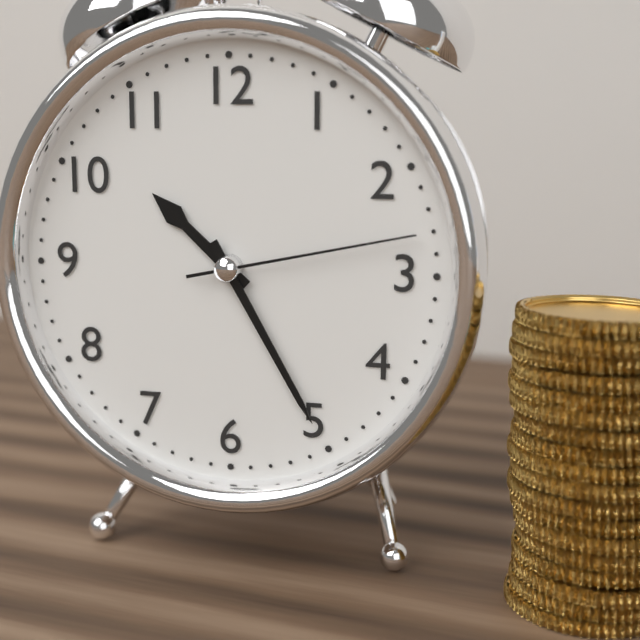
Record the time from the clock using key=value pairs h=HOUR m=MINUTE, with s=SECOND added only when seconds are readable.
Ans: h=10 m=25 s=13
